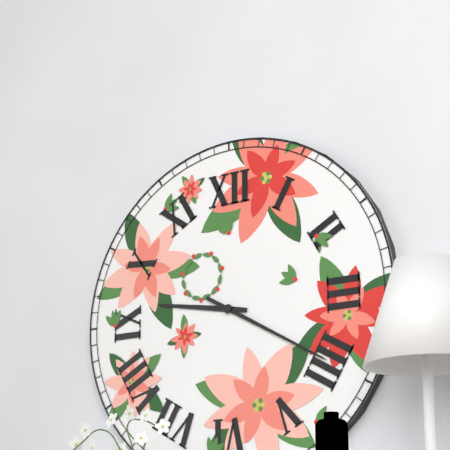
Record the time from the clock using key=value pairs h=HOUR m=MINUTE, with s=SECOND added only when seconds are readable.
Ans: h=9 m=20
